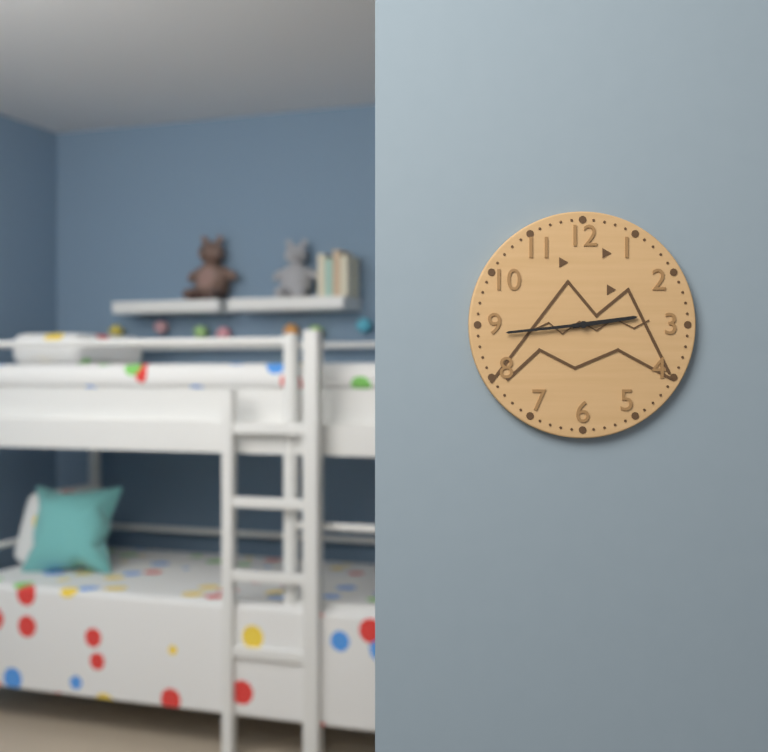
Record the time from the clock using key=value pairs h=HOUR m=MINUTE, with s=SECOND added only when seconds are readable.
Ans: h=2 m=44
